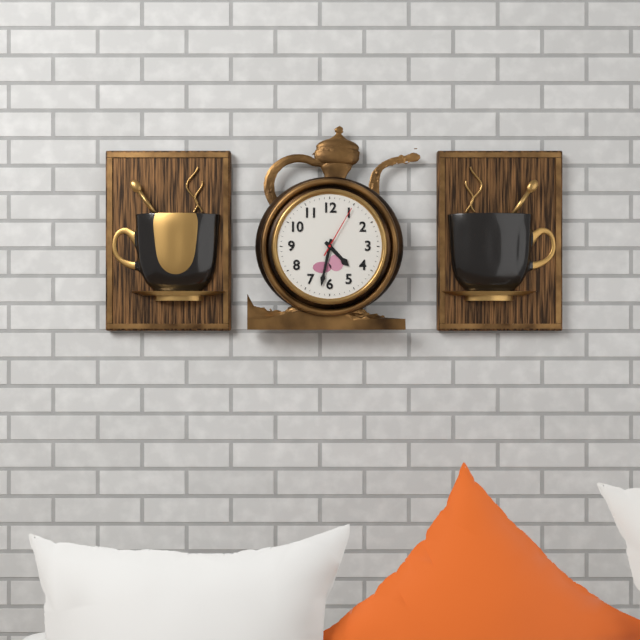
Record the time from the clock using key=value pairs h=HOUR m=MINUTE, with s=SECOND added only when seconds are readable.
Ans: h=4 m=32 s=5
